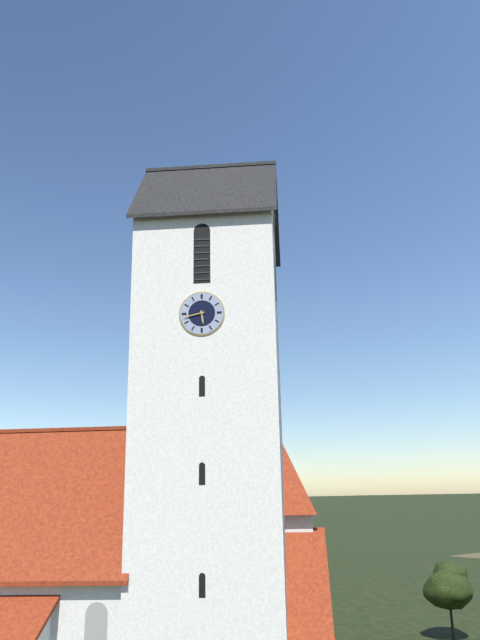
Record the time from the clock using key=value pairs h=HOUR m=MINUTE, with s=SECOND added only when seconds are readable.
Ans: h=5 m=43
